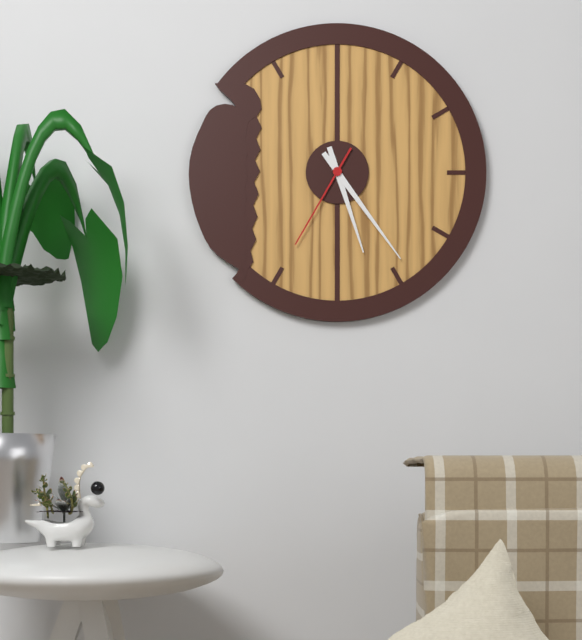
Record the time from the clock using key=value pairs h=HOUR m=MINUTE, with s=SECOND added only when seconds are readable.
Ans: h=5 m=24 s=35
